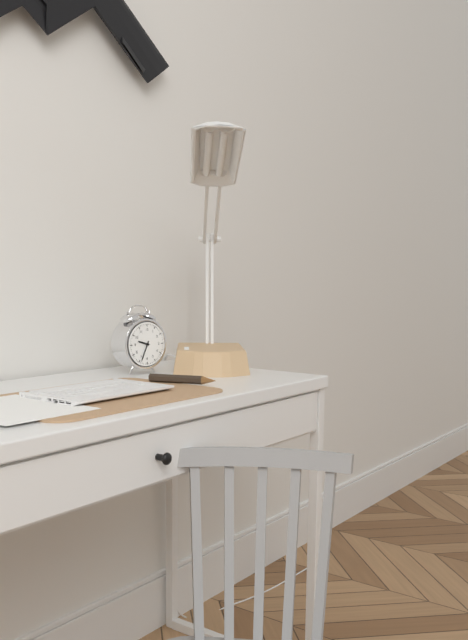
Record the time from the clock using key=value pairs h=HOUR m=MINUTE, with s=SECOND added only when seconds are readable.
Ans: h=9 m=34
